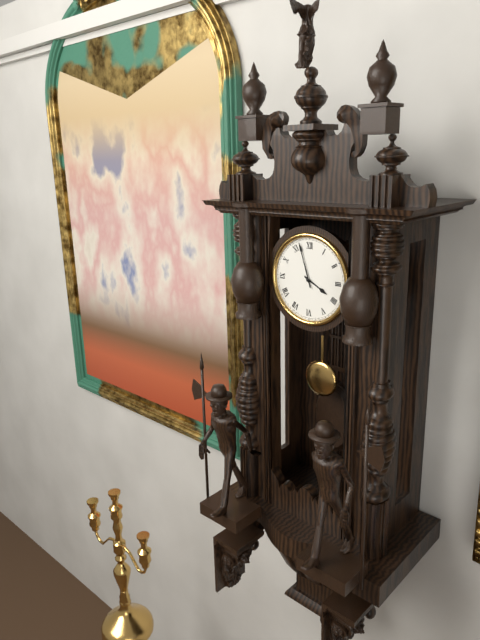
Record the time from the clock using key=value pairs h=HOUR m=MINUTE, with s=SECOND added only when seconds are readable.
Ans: h=3 m=57
